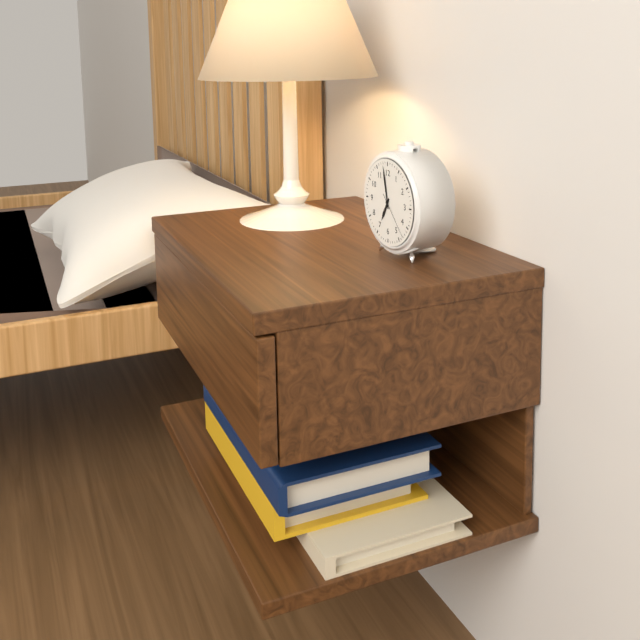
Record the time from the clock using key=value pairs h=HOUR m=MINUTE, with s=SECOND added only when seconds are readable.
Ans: h=6 m=58
